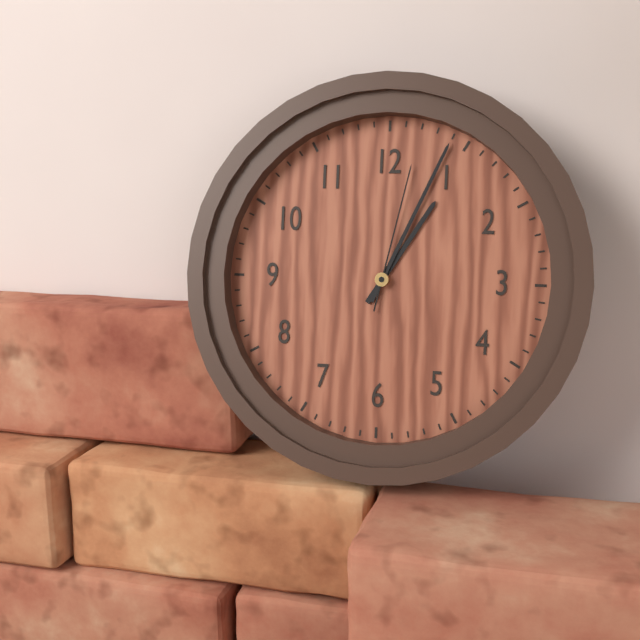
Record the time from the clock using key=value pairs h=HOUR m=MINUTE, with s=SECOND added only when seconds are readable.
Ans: h=1 m=4 s=2
